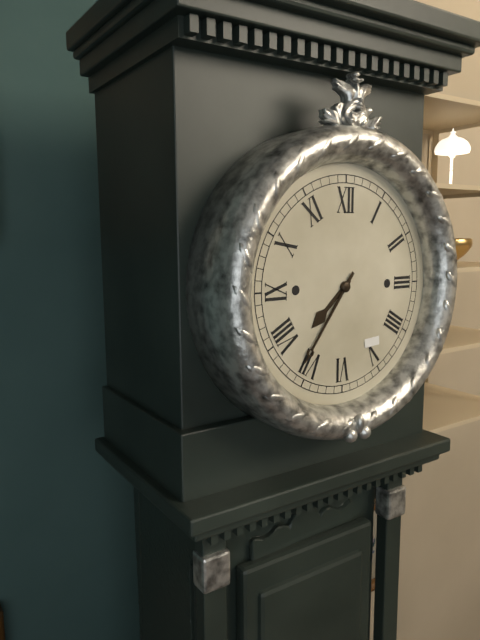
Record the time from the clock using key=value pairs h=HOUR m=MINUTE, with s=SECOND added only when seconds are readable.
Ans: h=7 m=36
